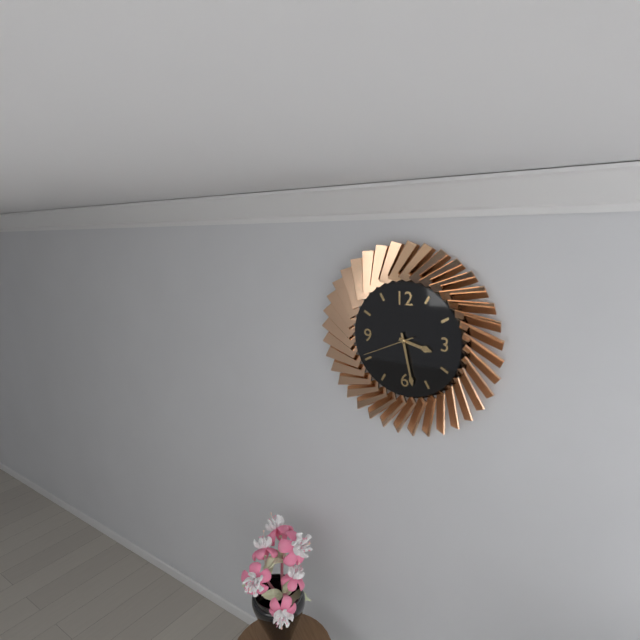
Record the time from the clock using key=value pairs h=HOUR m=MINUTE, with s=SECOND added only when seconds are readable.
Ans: h=3 m=28 s=41
